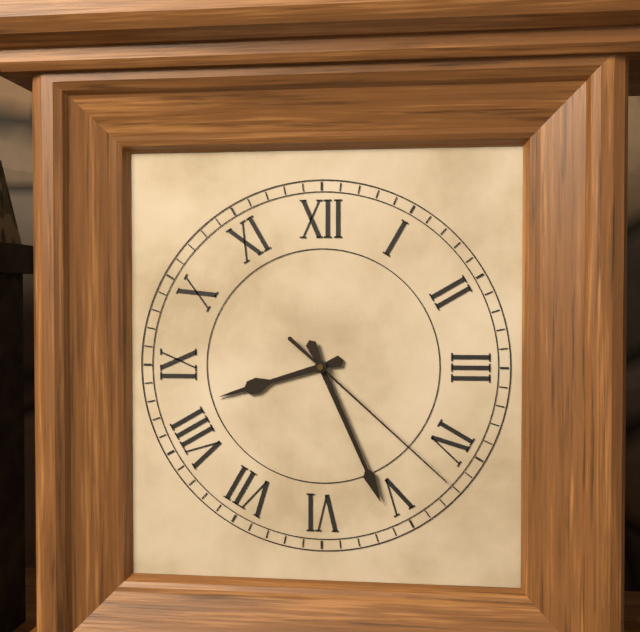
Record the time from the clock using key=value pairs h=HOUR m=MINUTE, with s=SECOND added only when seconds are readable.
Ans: h=8 m=26 s=22
